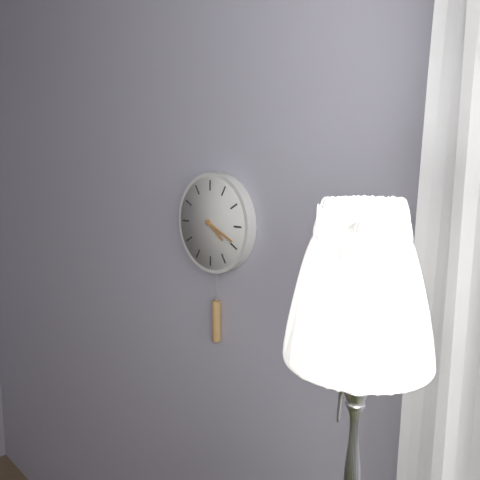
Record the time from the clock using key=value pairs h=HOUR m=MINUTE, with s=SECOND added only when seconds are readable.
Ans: h=4 m=19
